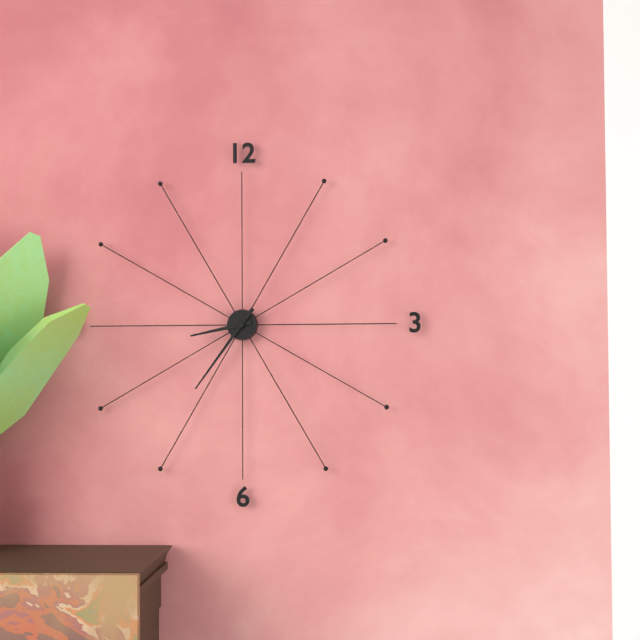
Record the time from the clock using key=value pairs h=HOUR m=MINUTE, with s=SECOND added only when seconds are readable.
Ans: h=8 m=36
